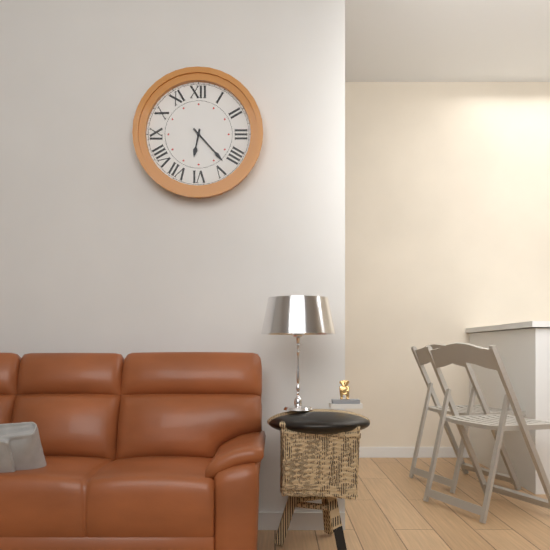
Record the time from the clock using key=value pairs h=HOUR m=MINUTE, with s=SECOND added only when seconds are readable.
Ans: h=6 m=23
